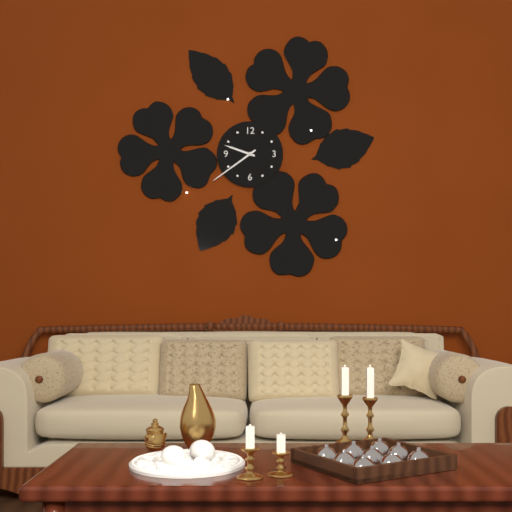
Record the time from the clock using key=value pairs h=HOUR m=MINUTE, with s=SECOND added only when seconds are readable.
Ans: h=9 m=39
